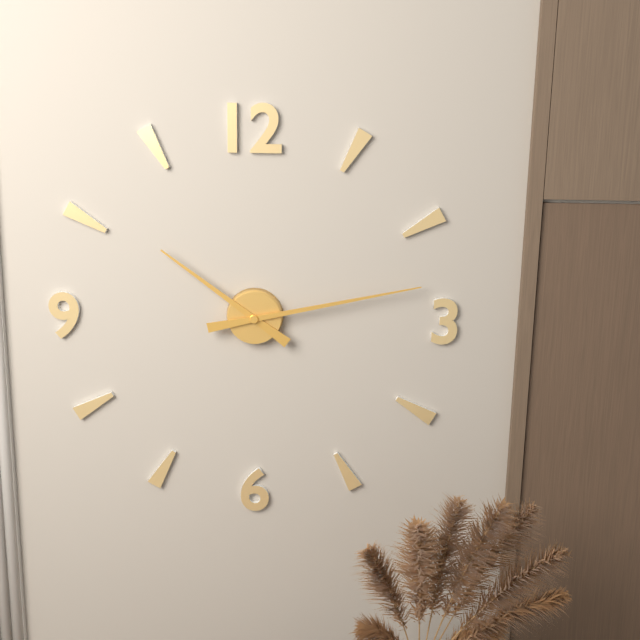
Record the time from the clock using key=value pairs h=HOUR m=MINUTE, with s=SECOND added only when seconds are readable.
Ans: h=10 m=13
